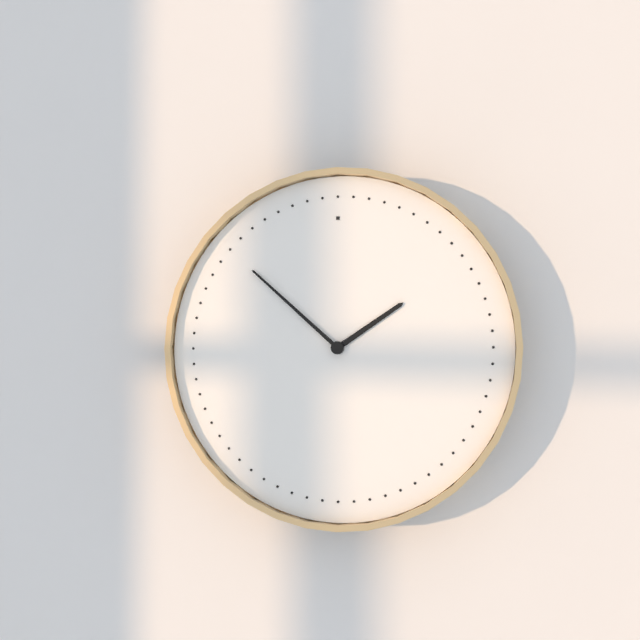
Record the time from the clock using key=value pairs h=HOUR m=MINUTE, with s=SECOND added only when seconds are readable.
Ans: h=1 m=52
